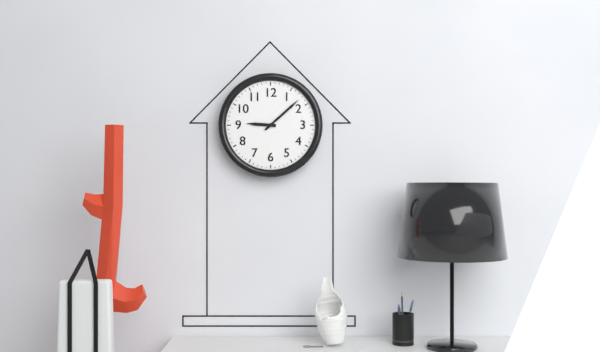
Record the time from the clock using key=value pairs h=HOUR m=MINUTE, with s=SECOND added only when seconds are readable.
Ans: h=9 m=8
